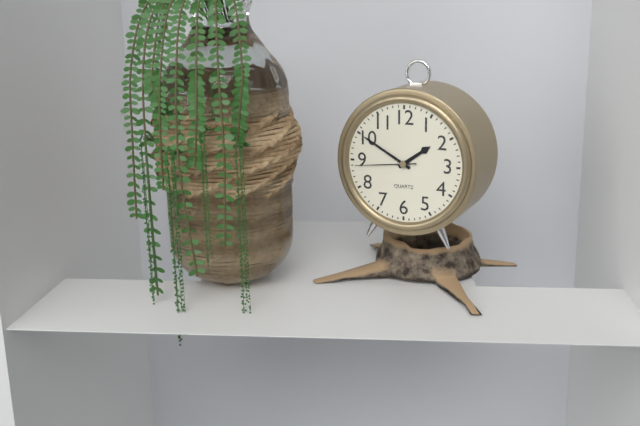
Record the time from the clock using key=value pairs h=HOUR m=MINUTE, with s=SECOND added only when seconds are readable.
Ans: h=1 m=50 s=44
